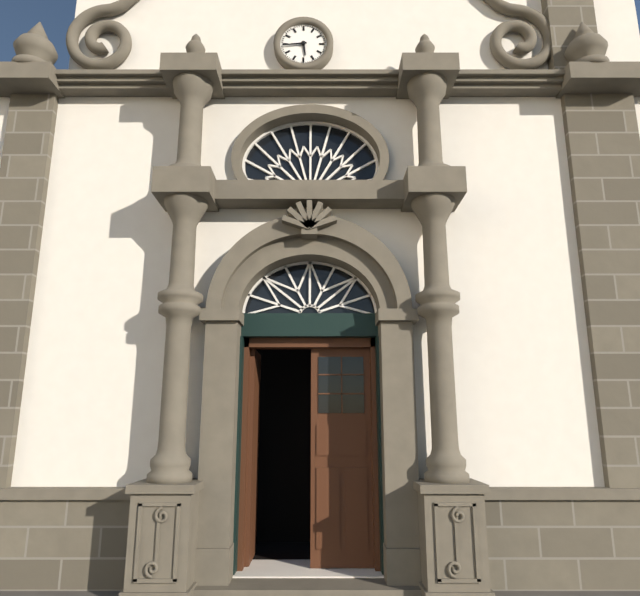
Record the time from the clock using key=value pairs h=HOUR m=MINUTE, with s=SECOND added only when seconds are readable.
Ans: h=5 m=44
